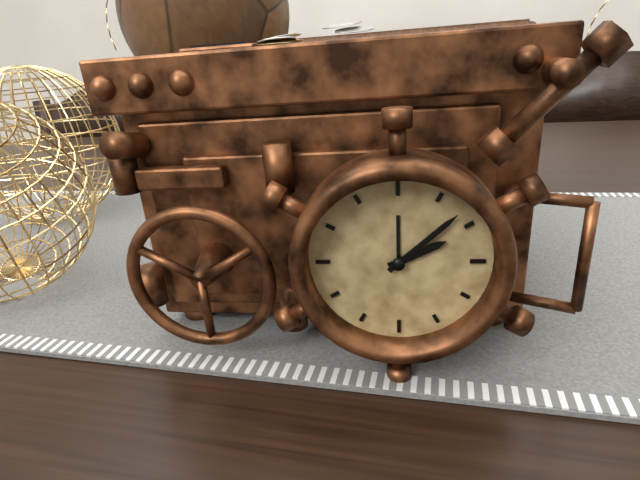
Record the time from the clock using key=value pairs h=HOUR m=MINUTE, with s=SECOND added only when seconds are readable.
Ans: h=2 m=8
